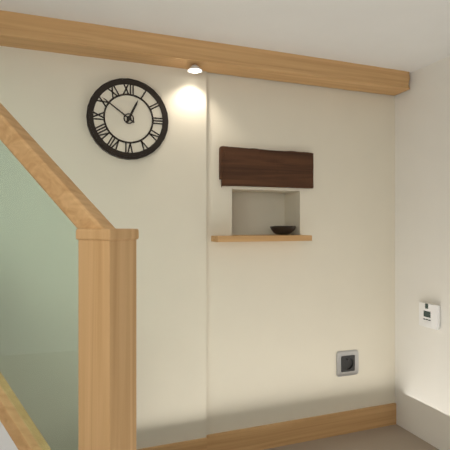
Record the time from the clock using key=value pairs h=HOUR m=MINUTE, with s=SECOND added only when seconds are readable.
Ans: h=12 m=51
